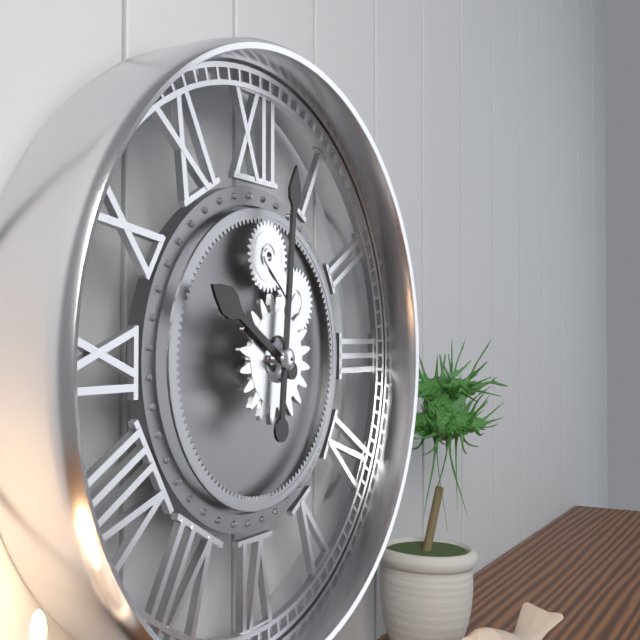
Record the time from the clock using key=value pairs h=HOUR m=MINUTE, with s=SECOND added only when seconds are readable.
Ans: h=10 m=1
